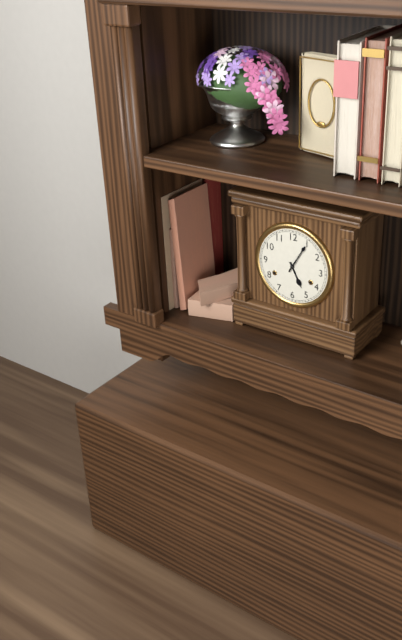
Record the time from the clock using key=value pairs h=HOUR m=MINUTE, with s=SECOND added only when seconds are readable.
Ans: h=5 m=5
